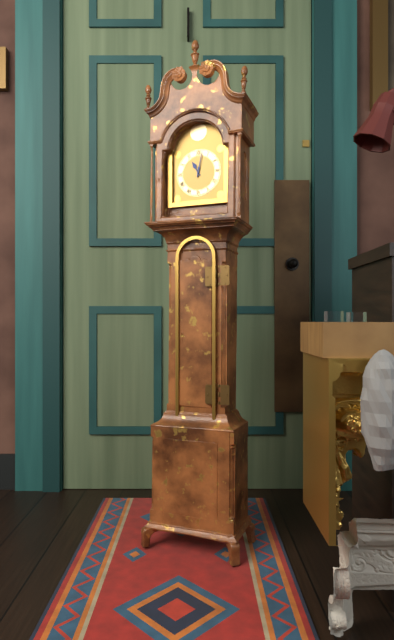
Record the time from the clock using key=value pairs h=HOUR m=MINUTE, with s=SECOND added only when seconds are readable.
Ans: h=11 m=2
